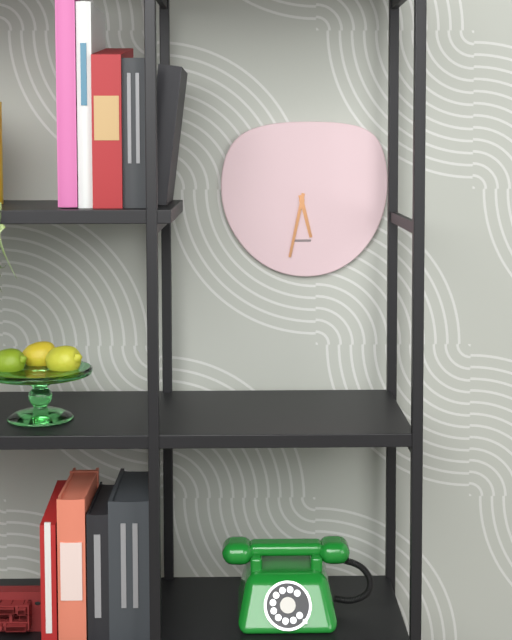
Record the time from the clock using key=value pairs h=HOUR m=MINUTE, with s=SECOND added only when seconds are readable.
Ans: h=5 m=32
